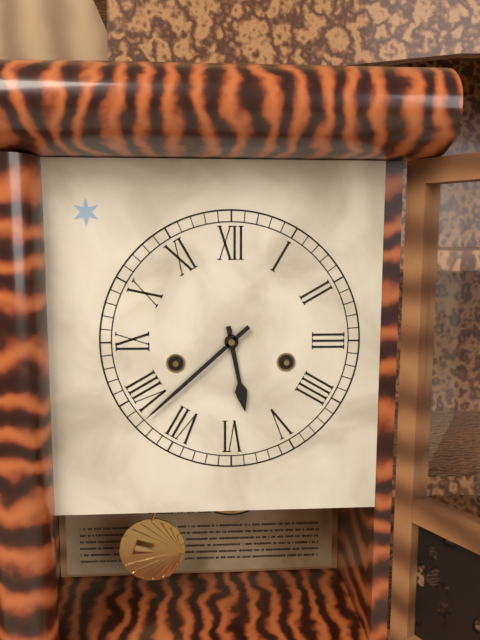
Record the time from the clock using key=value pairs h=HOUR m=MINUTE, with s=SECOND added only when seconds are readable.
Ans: h=5 m=38
